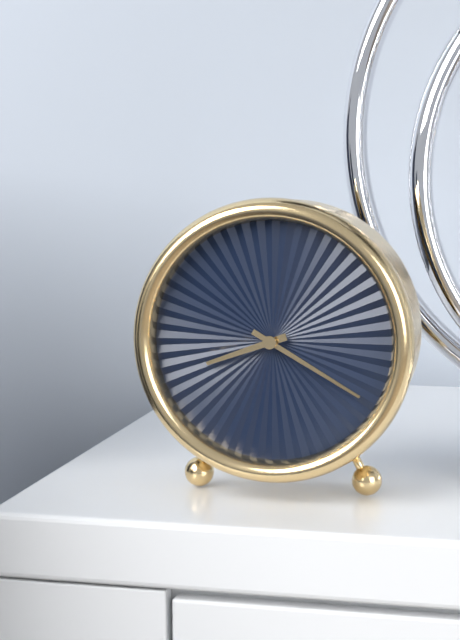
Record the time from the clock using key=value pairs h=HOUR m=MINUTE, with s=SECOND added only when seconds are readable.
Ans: h=8 m=20
